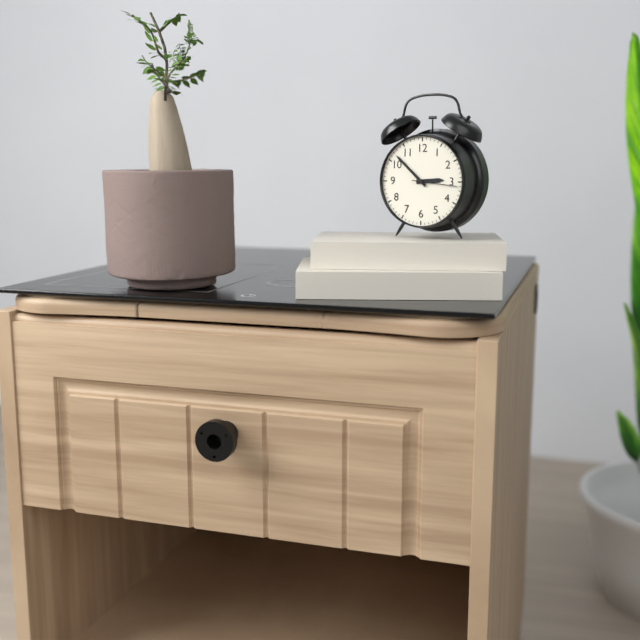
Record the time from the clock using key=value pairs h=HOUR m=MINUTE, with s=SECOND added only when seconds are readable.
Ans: h=2 m=52
